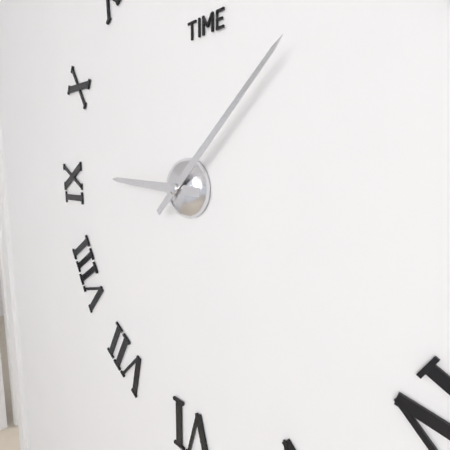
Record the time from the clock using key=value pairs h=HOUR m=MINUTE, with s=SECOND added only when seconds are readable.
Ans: h=9 m=8
